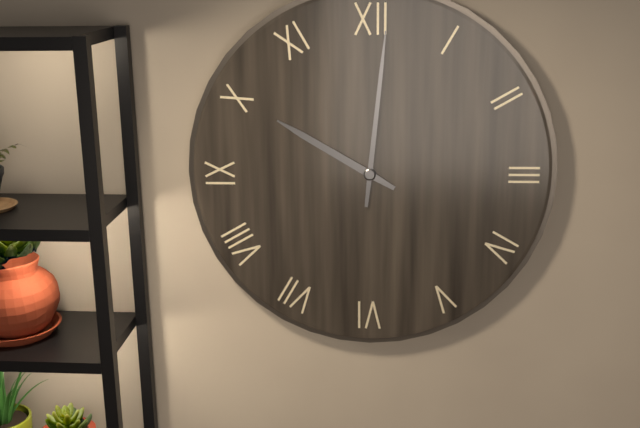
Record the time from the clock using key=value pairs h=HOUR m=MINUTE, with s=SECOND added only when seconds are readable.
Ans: h=10 m=1
